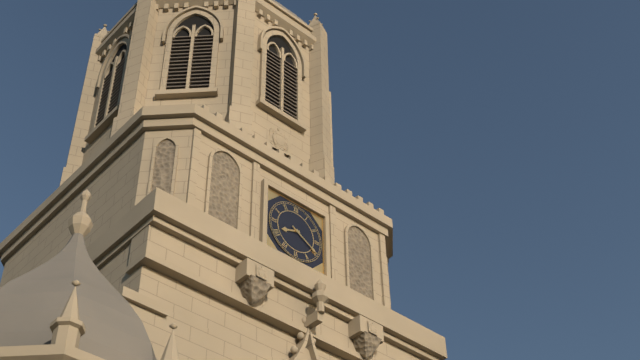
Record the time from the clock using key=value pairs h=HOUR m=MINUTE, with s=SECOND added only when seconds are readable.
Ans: h=8 m=20
